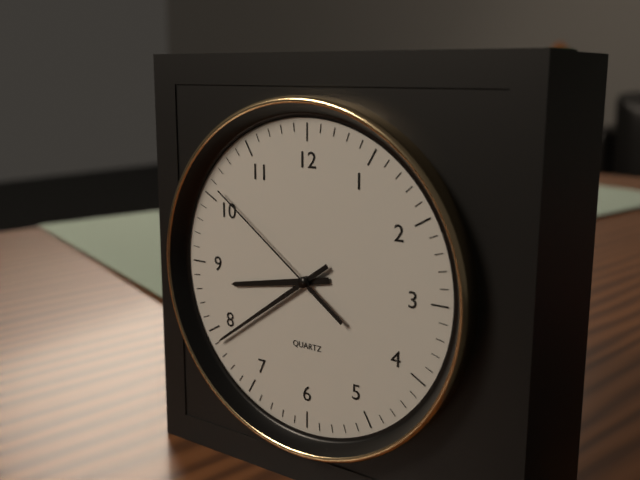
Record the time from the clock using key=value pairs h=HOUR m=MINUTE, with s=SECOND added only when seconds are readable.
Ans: h=8 m=39 s=51
